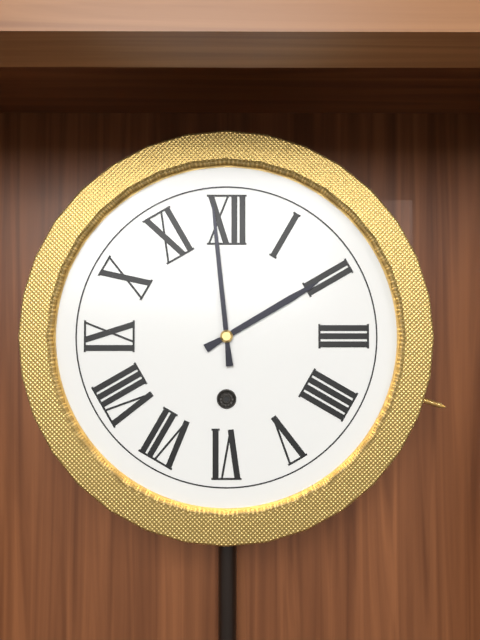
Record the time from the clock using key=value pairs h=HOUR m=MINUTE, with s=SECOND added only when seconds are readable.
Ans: h=1 m=59
